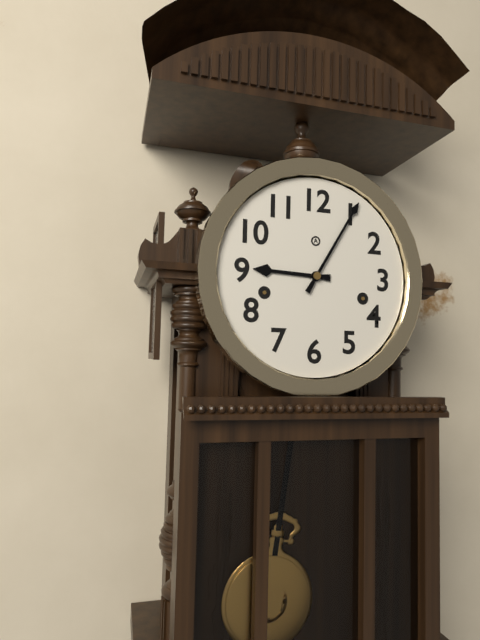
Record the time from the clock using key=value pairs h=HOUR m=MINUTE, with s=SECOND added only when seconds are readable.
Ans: h=9 m=5
